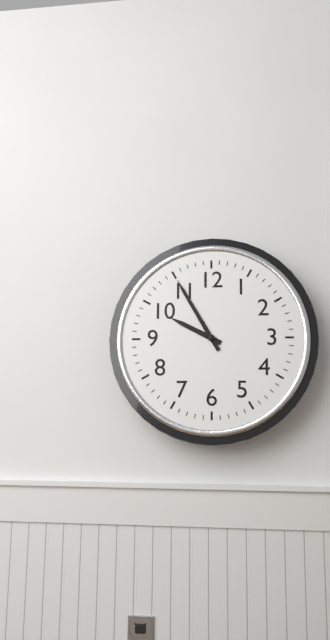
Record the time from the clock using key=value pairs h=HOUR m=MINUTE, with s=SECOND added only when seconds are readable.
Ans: h=9 m=55
